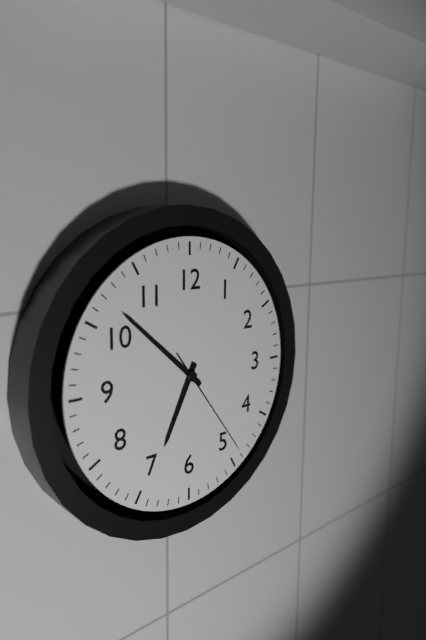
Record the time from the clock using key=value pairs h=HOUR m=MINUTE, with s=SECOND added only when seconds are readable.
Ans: h=6 m=52 s=24
